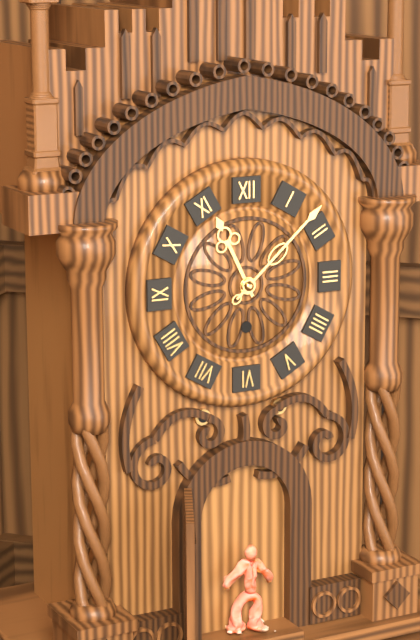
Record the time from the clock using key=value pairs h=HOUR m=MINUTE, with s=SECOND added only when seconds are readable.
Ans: h=11 m=8
